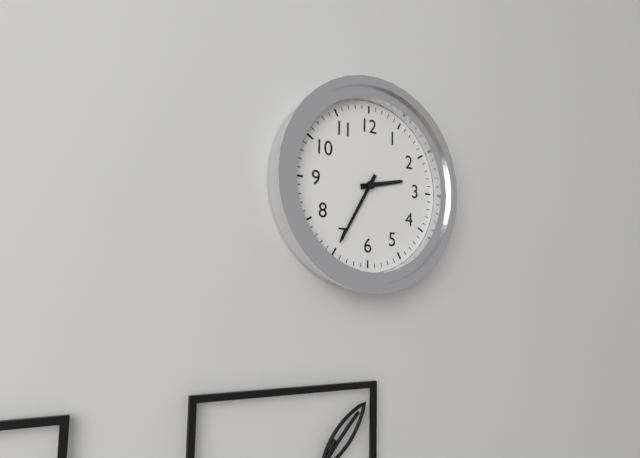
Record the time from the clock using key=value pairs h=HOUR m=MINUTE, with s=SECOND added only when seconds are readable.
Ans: h=2 m=35
